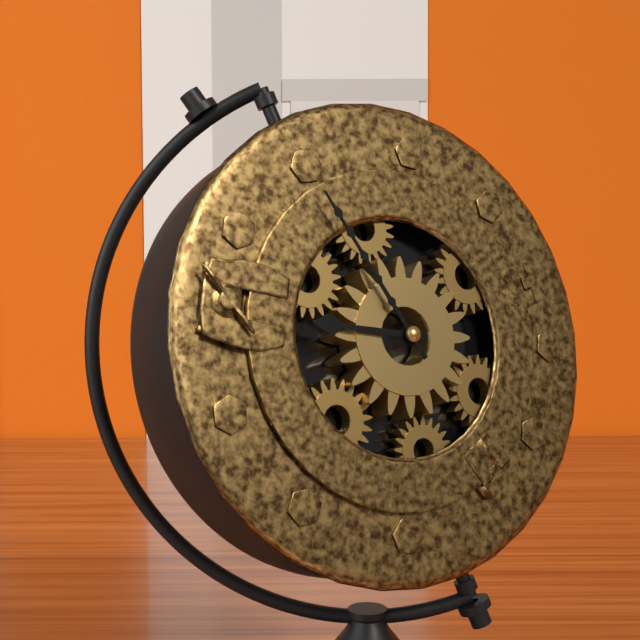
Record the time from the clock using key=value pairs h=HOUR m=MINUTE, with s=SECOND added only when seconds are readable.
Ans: h=8 m=53
